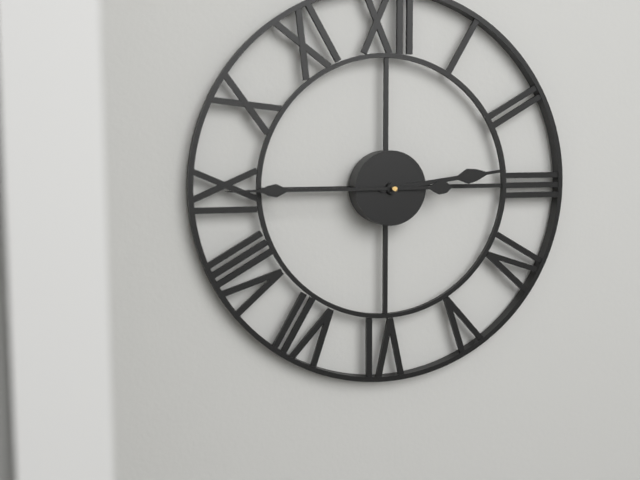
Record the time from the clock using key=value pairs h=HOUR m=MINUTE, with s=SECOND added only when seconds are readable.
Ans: h=2 m=45
